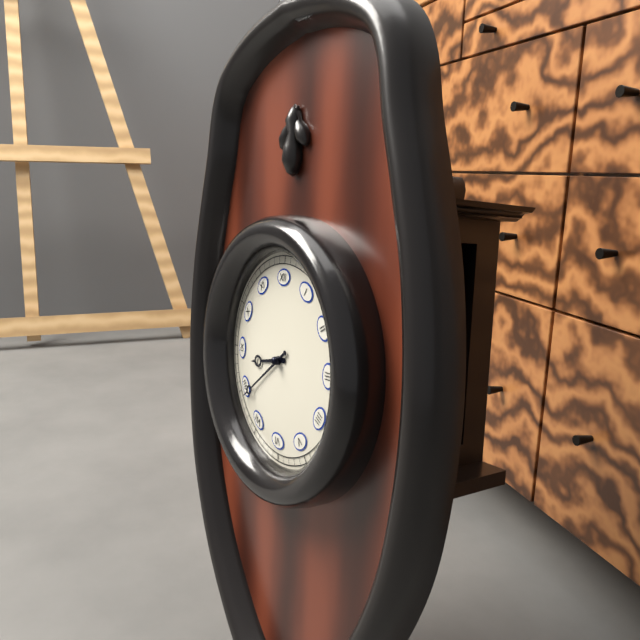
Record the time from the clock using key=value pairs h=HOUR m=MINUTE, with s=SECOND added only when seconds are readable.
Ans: h=8 m=39
